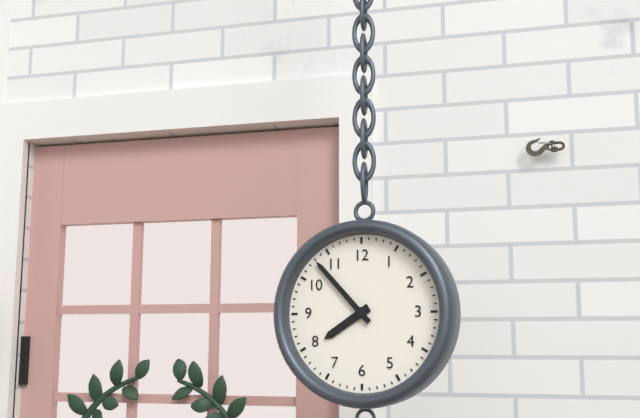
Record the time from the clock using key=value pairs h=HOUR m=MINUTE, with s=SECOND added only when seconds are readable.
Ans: h=7 m=53
